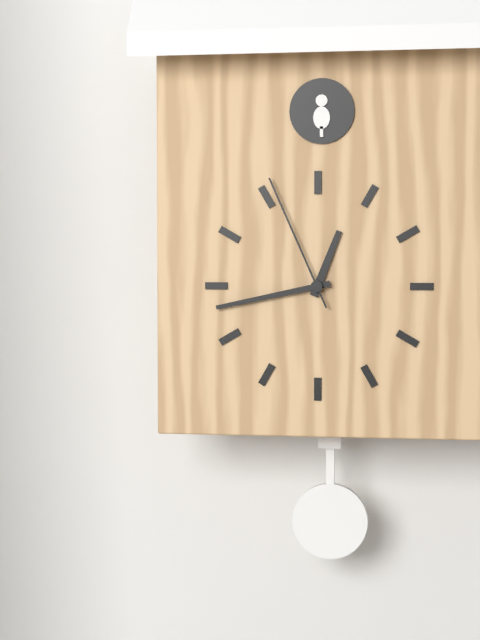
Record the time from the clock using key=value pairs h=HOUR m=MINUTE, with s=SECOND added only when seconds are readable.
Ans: h=12 m=43 s=56
